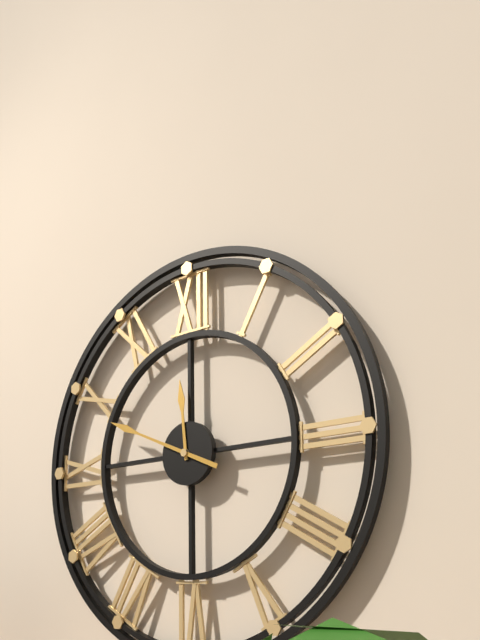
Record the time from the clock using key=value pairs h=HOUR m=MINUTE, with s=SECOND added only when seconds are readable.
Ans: h=11 m=49
